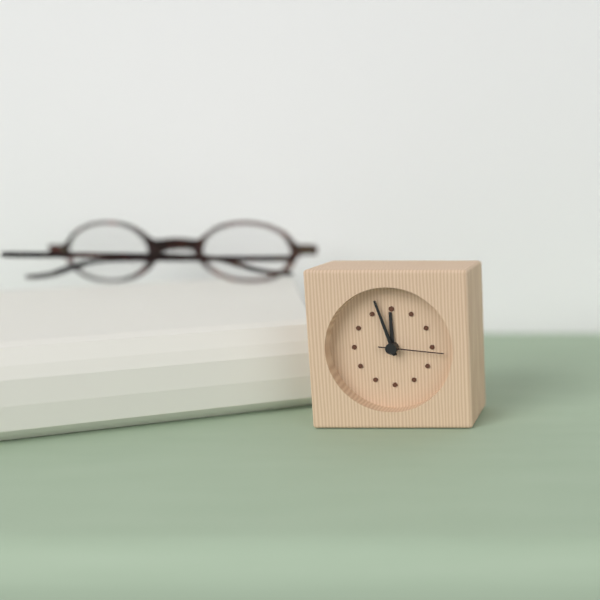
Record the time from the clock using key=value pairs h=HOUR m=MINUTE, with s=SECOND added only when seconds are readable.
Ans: h=11 m=57 s=16
